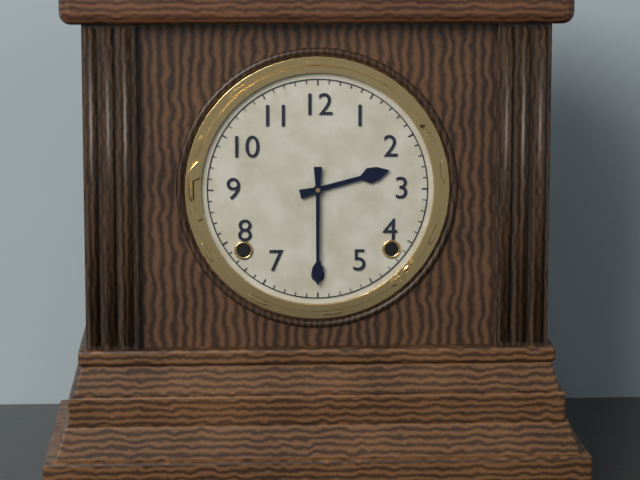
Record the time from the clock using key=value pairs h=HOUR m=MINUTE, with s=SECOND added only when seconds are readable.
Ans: h=2 m=30
